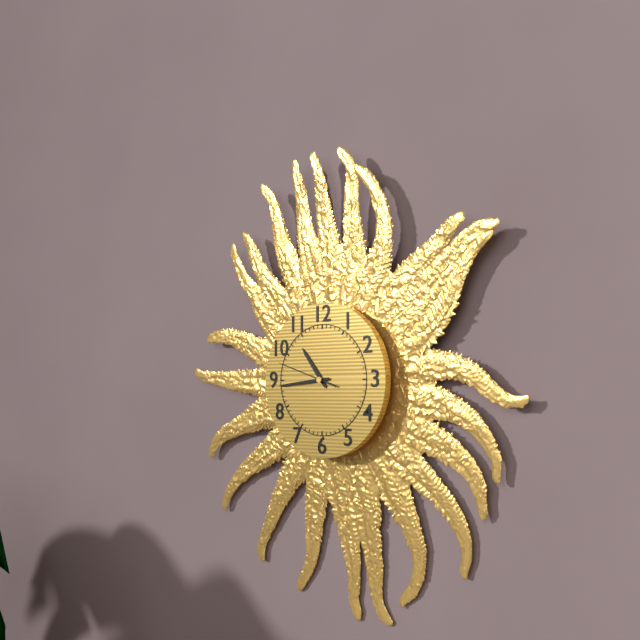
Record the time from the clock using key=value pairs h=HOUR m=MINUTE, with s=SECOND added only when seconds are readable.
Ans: h=10 m=44 s=48
